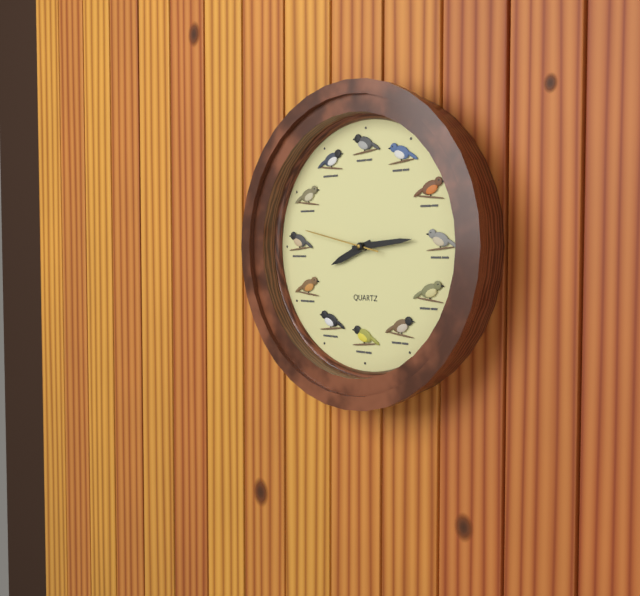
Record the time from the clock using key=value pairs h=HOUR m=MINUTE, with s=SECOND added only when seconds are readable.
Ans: h=8 m=14 s=47
